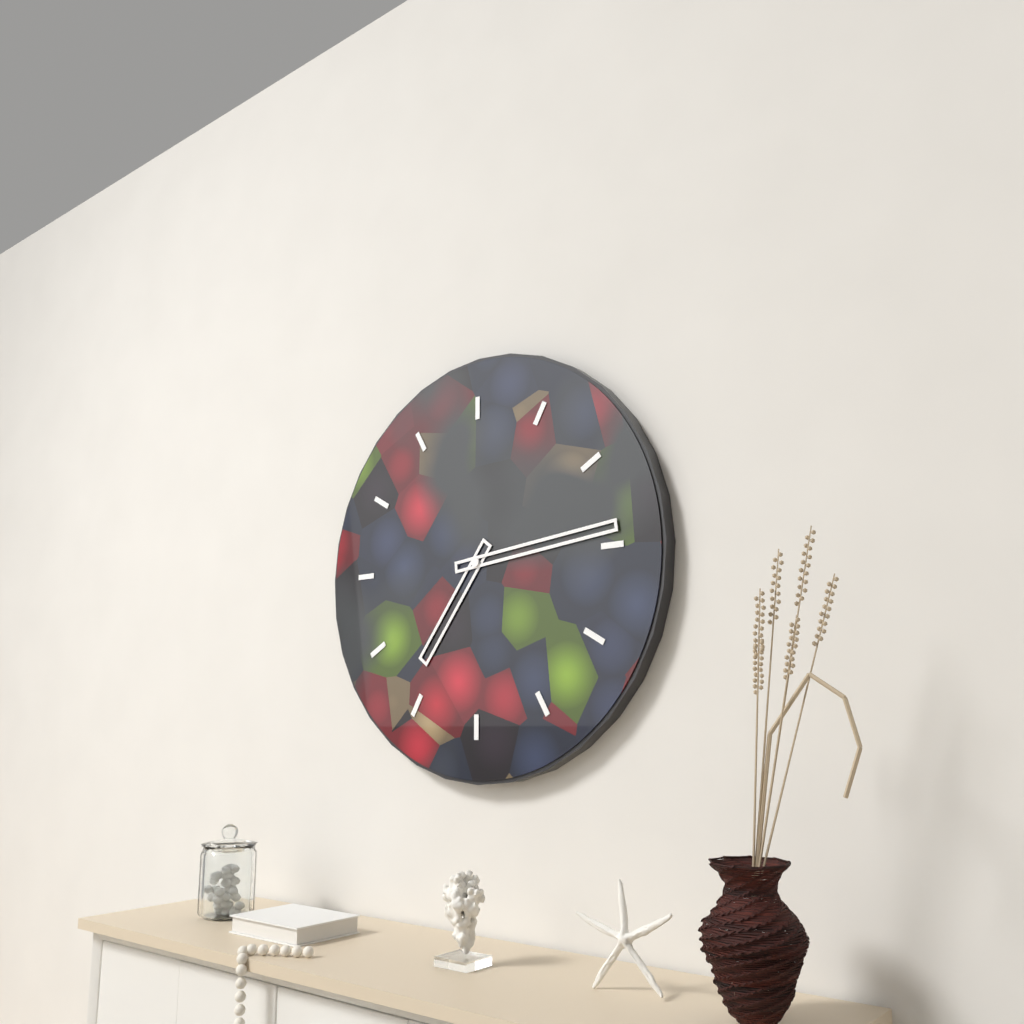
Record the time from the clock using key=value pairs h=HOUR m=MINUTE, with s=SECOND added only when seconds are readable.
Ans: h=7 m=14
